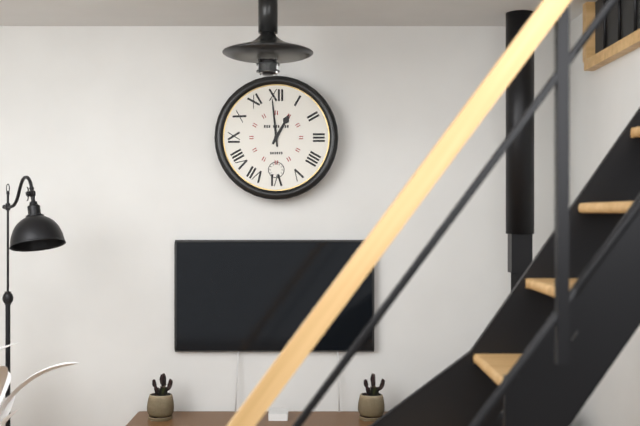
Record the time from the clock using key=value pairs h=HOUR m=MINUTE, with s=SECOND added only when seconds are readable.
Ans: h=12 m=59
